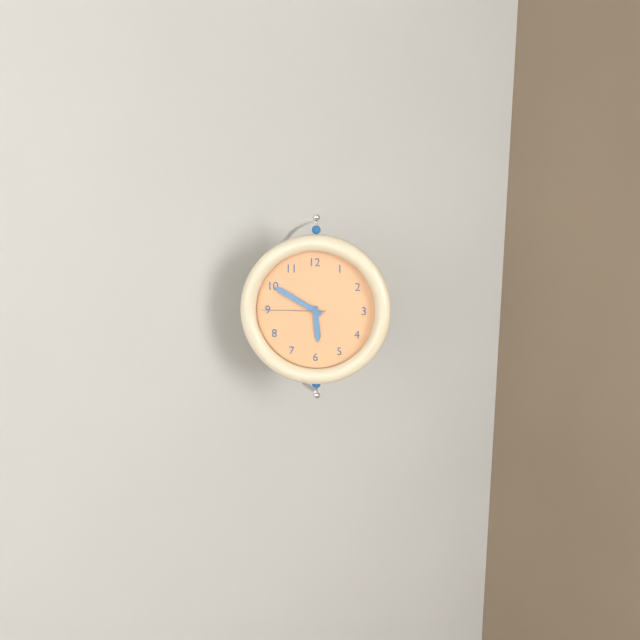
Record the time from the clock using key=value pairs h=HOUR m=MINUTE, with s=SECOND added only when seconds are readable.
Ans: h=5 m=50 s=45
